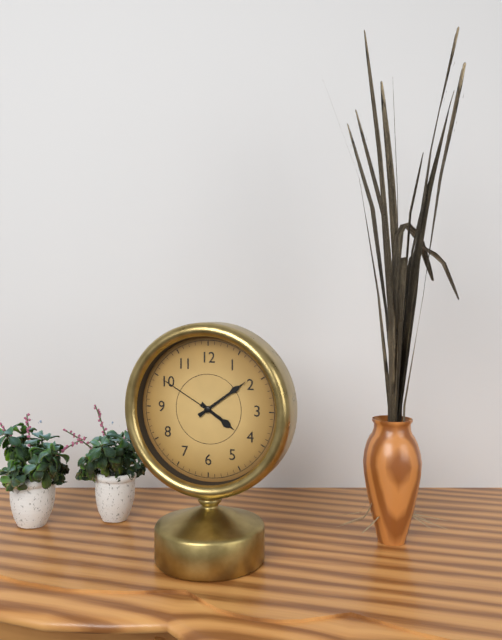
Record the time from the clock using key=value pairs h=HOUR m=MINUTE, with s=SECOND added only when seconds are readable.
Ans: h=4 m=9 s=50
